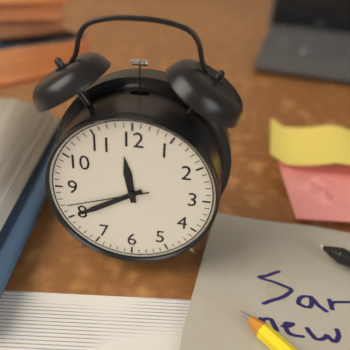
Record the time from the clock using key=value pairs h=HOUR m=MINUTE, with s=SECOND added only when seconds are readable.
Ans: h=11 m=40 s=42
